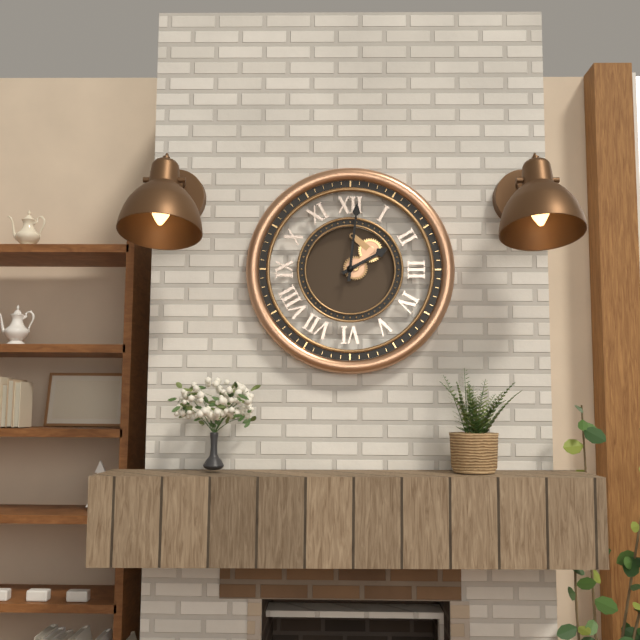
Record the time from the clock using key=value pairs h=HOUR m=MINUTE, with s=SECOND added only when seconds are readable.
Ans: h=2 m=1
